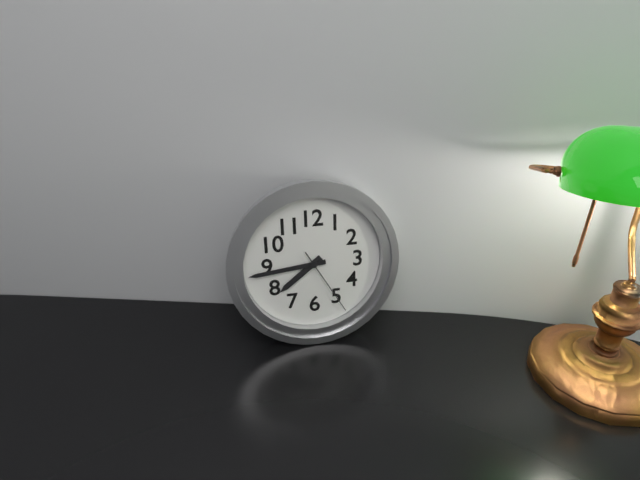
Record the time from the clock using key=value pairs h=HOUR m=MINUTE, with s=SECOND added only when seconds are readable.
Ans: h=7 m=44 s=25
